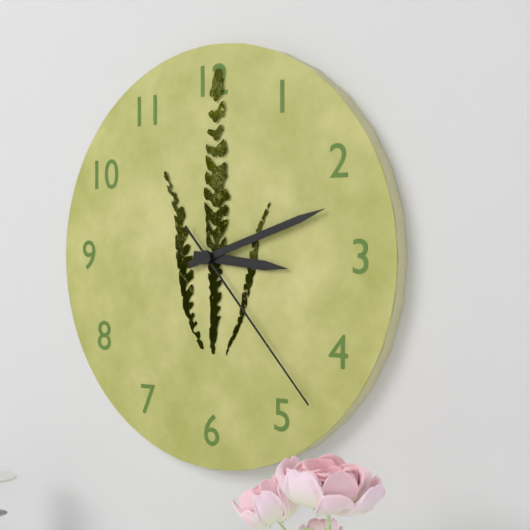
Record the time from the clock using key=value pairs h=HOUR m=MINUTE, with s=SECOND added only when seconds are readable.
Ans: h=3 m=12 s=23
